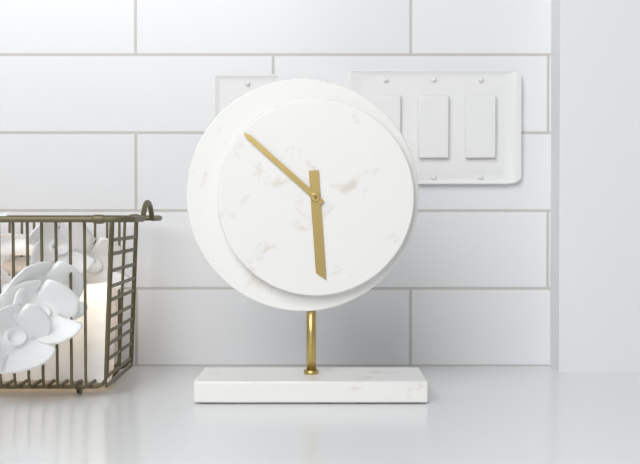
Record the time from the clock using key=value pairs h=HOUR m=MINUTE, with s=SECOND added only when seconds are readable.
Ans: h=5 m=52
